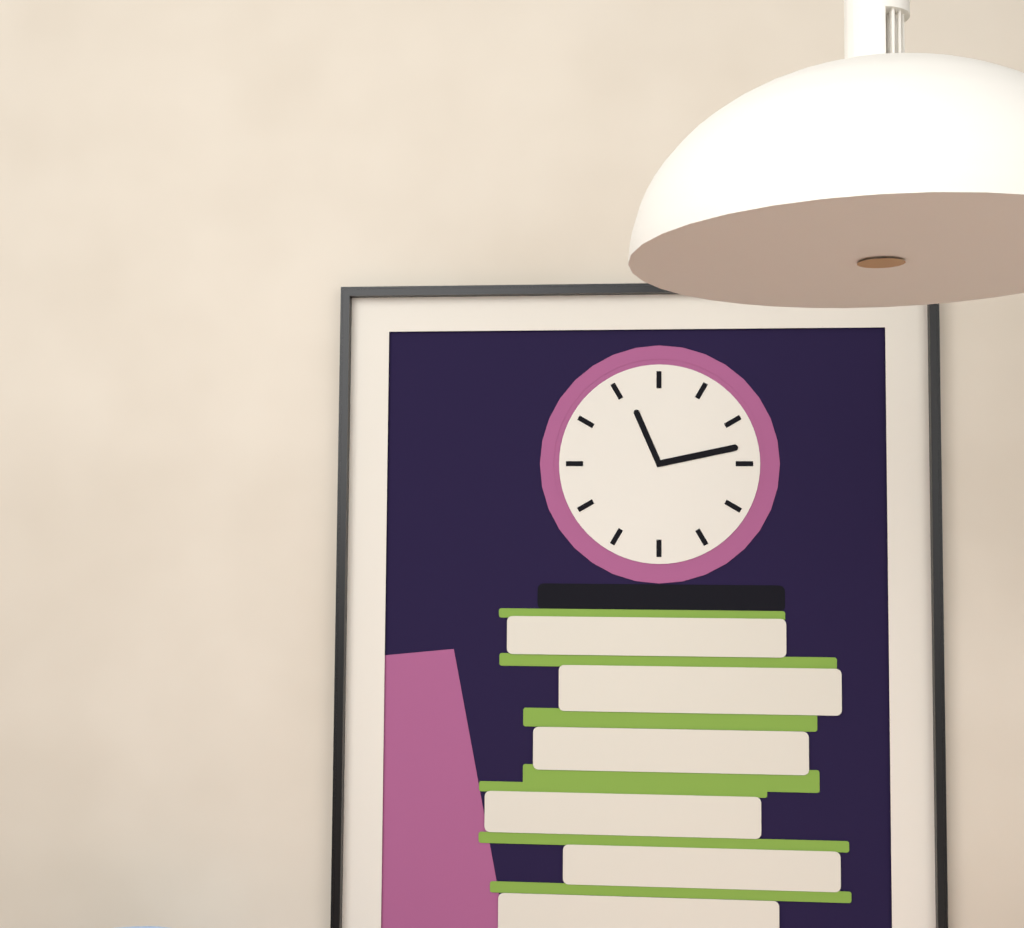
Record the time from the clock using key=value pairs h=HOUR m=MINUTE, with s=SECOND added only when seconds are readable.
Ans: h=11 m=13
